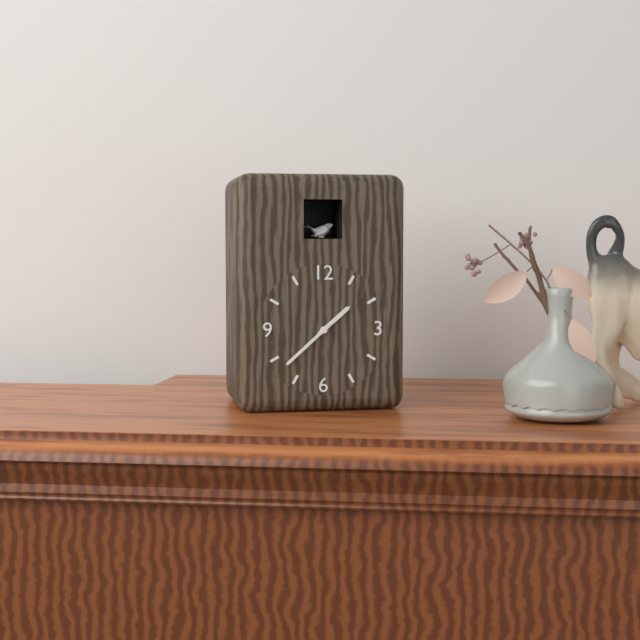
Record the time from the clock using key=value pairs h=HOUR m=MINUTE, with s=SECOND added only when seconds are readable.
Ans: h=1 m=38
